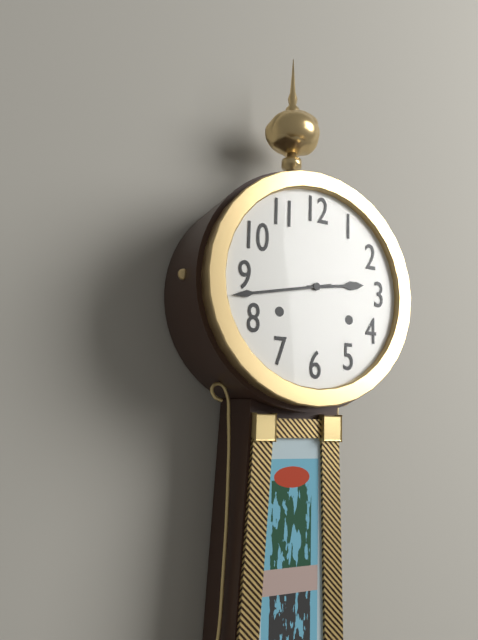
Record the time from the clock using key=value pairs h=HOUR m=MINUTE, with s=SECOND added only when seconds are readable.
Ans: h=2 m=43
